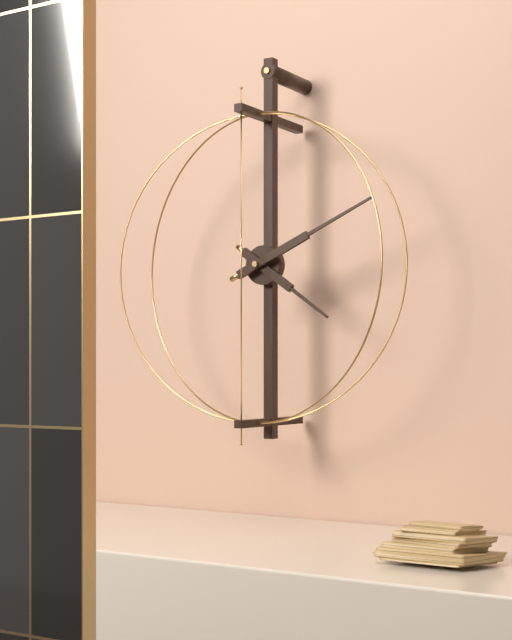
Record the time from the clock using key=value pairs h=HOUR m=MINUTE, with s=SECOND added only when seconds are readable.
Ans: h=4 m=11
